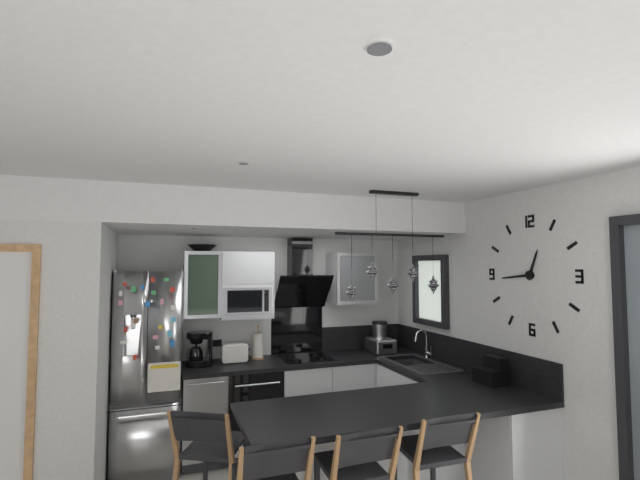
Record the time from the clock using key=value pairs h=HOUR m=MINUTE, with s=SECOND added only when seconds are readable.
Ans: h=12 m=44
